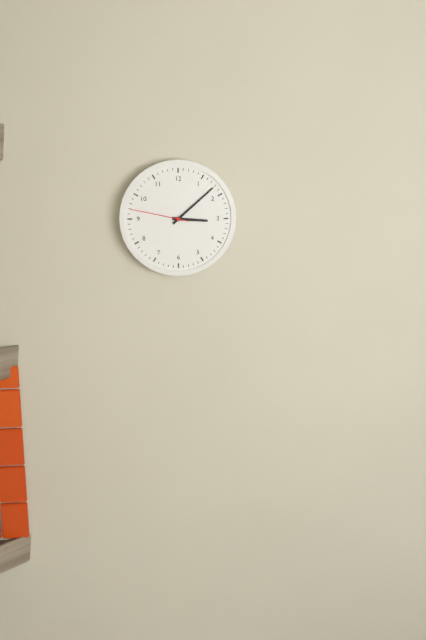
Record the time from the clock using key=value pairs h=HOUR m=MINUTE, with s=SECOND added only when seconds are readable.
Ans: h=3 m=8 s=47
